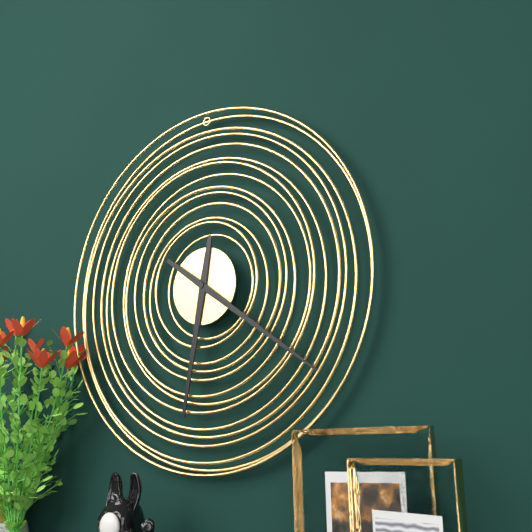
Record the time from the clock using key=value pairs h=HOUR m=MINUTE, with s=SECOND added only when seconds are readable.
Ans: h=6 m=21
